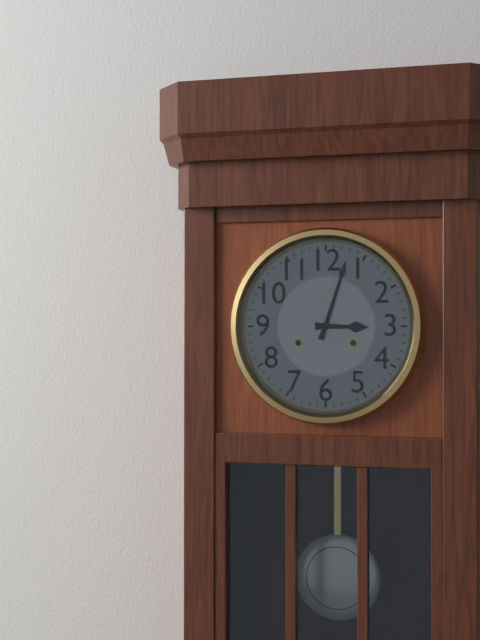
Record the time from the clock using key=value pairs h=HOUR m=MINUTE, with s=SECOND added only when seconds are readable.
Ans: h=3 m=3
